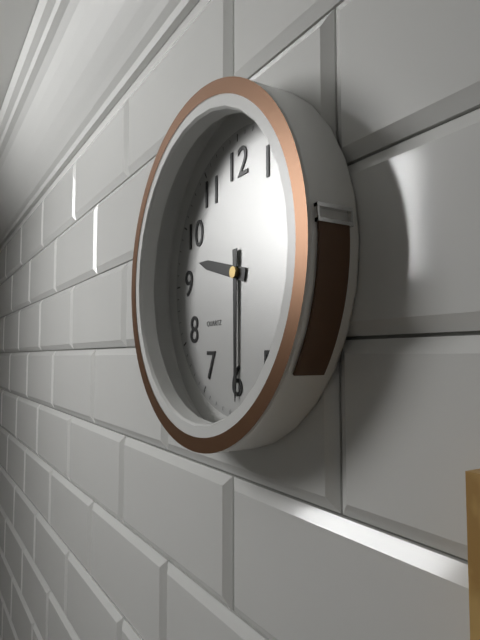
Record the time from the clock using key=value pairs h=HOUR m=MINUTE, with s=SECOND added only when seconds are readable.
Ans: h=9 m=30
